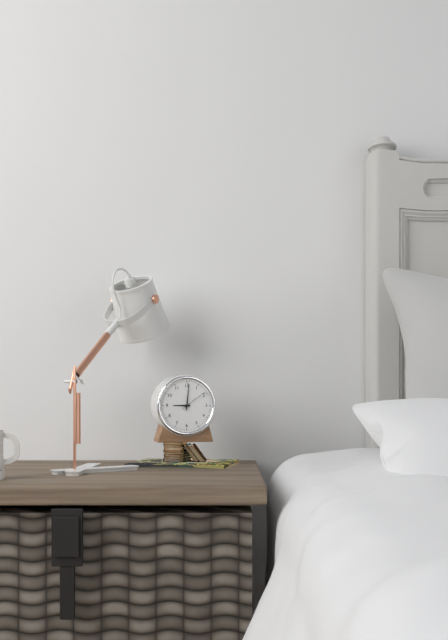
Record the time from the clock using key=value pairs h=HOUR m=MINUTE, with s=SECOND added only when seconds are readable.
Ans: h=9 m=1
